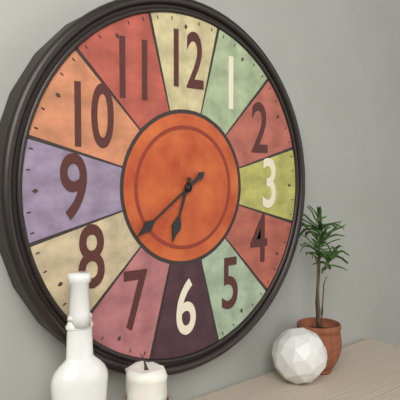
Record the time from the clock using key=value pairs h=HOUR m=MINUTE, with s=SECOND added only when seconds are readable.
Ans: h=6 m=39
